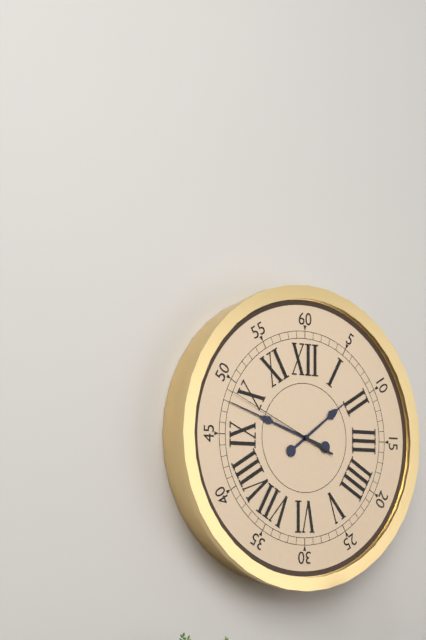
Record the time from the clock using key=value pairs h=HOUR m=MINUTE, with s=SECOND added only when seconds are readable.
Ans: h=1 m=48 s=49
